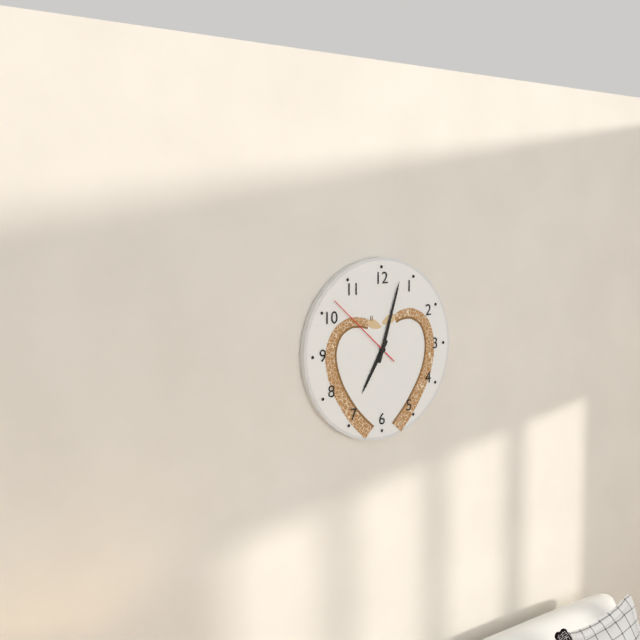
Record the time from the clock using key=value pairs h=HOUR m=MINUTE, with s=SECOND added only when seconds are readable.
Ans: h=7 m=3 s=52
